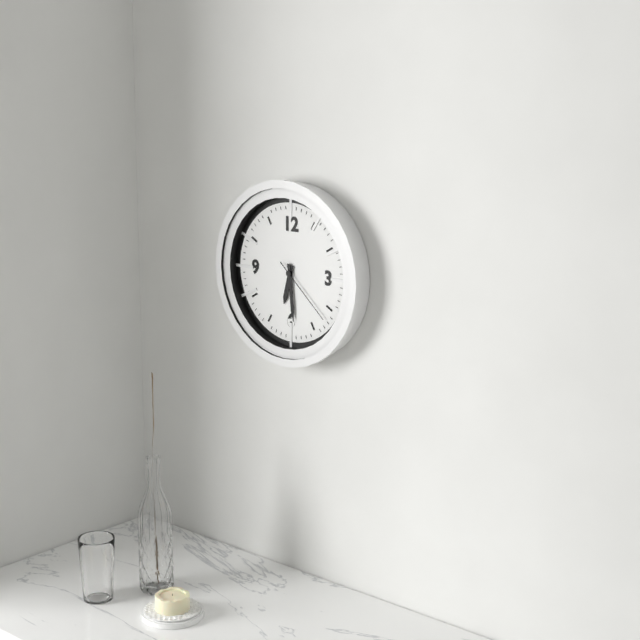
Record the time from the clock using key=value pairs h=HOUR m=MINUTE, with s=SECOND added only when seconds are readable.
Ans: h=6 m=29 s=22
